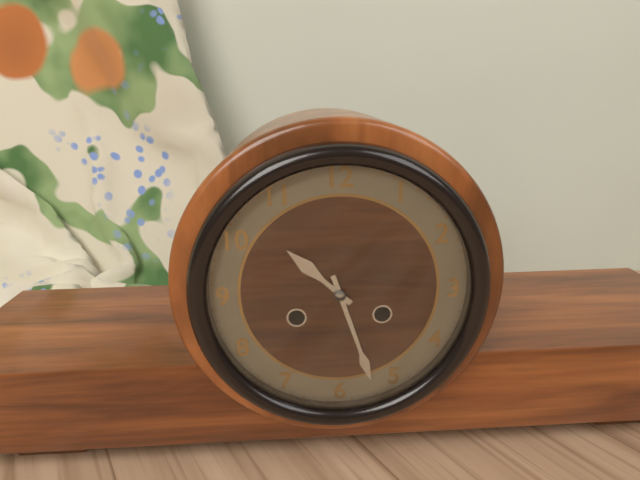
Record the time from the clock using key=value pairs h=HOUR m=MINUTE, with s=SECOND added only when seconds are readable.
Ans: h=10 m=27
